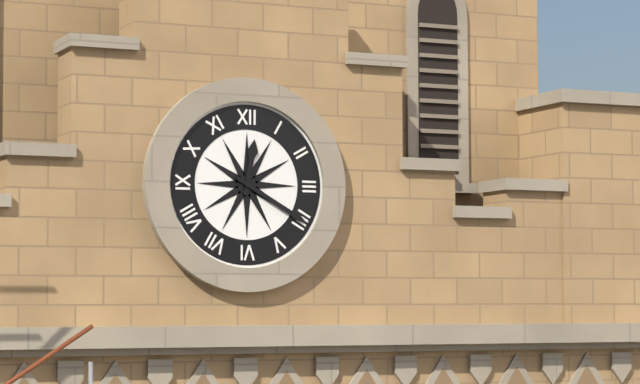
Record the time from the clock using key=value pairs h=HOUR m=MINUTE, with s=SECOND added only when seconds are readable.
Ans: h=12 m=20
